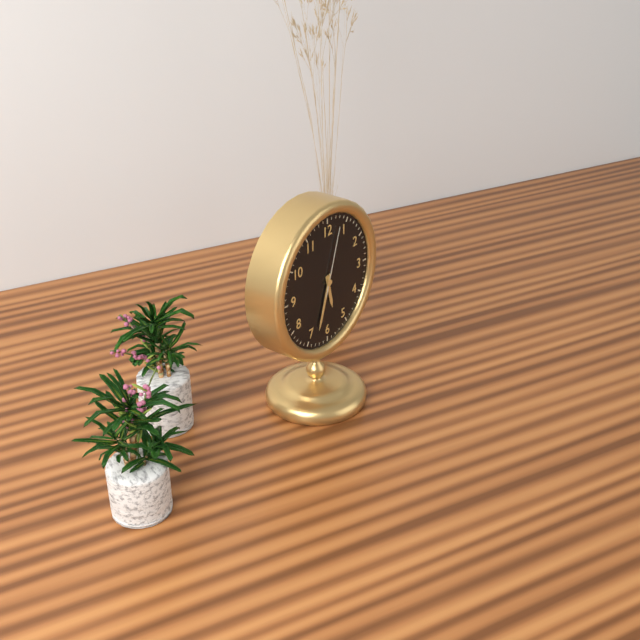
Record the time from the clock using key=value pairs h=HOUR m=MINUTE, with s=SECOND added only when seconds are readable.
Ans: h=5 m=33 s=3
